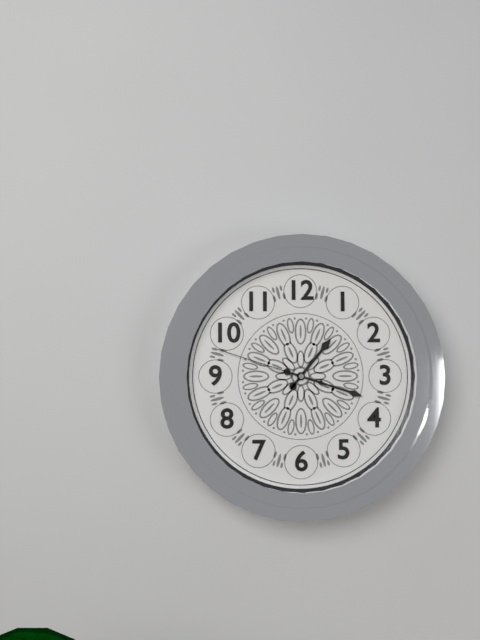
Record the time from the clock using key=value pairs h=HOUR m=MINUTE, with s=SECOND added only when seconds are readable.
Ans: h=1 m=18 s=48
